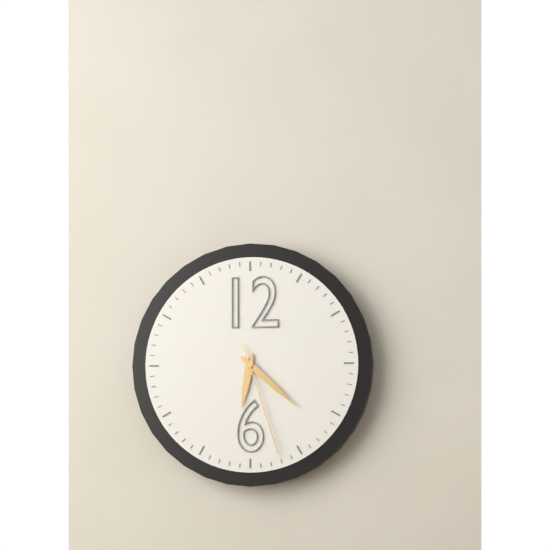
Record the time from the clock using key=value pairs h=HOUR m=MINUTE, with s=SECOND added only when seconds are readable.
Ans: h=6 m=22 s=27
